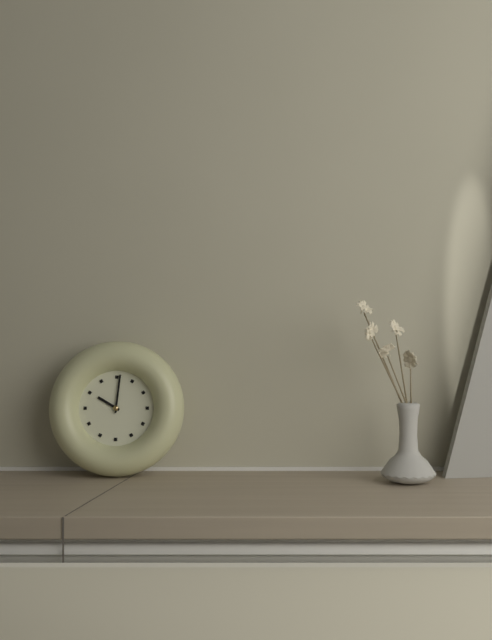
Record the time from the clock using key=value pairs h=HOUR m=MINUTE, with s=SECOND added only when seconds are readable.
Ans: h=10 m=1
